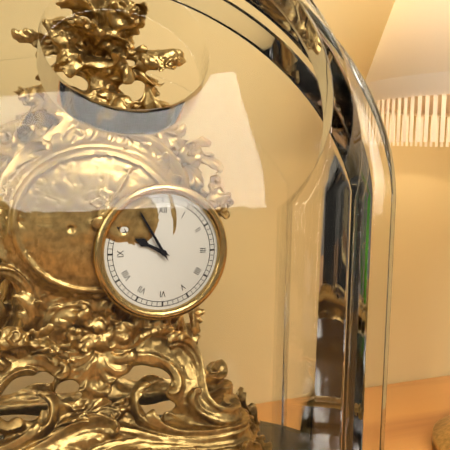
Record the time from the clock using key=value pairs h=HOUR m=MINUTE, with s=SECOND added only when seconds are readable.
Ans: h=9 m=55
